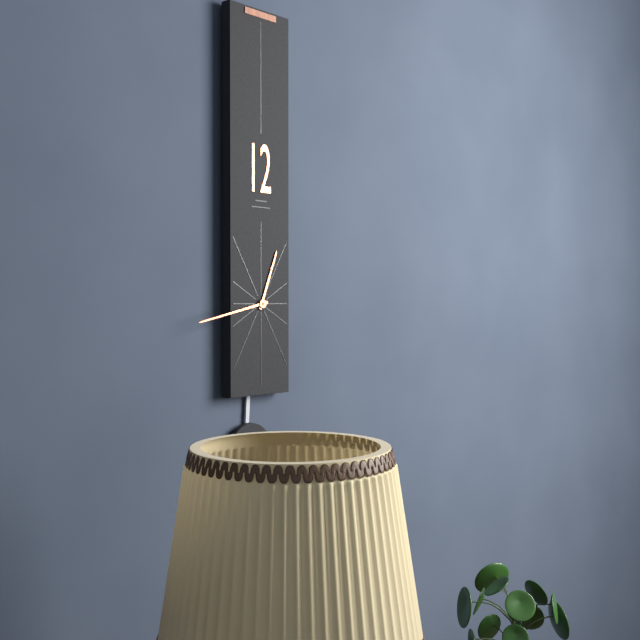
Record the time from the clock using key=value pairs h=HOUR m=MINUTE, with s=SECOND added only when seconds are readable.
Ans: h=12 m=43
